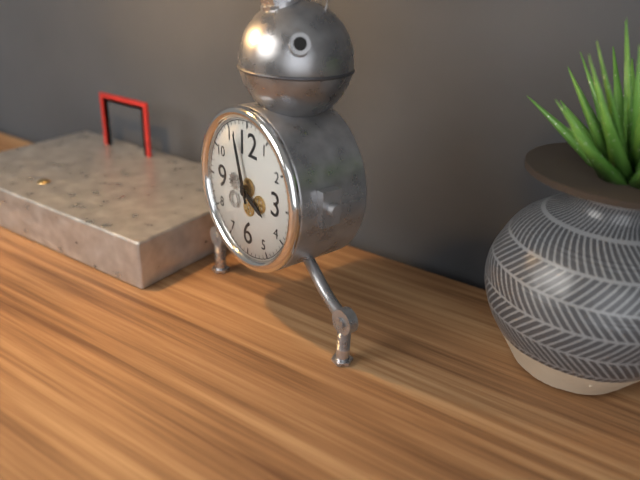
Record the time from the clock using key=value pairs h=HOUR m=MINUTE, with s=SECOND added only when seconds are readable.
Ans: h=3 m=57
